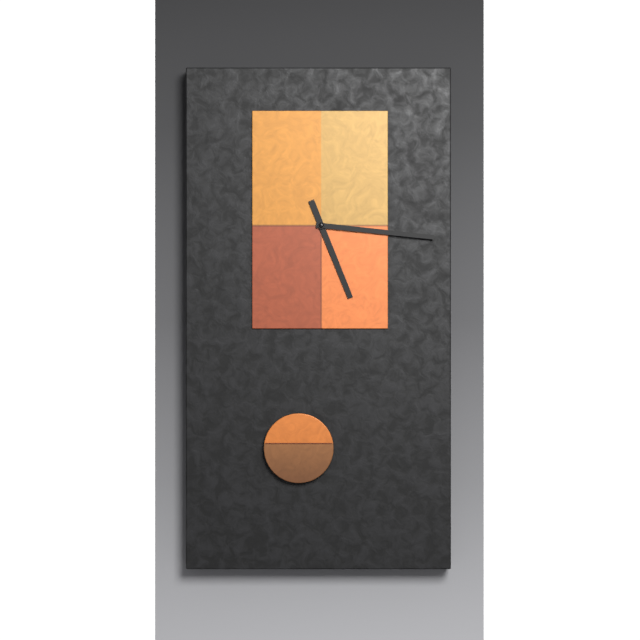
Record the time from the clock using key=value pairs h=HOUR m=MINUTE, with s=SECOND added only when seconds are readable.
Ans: h=5 m=16
